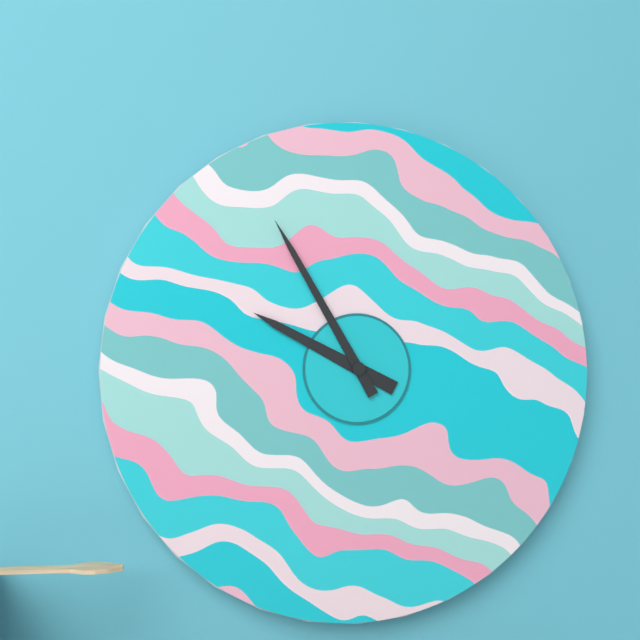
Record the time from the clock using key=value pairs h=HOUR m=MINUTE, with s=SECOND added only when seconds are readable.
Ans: h=9 m=55
